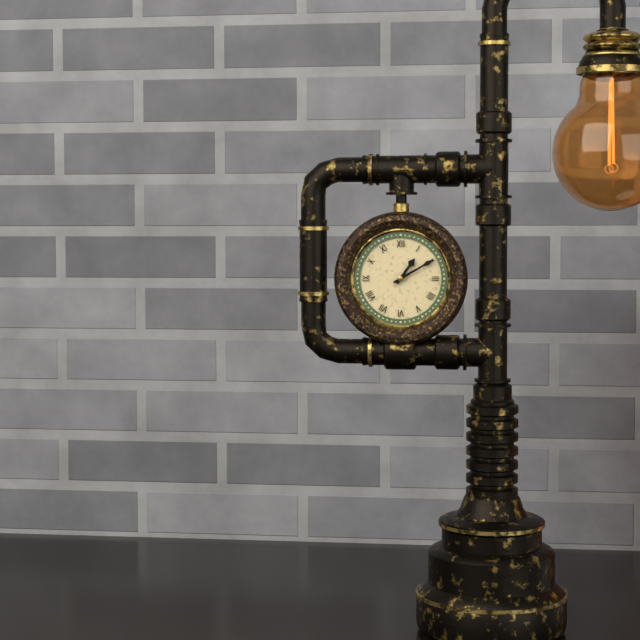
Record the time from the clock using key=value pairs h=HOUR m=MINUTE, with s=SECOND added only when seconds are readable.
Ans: h=1 m=10
